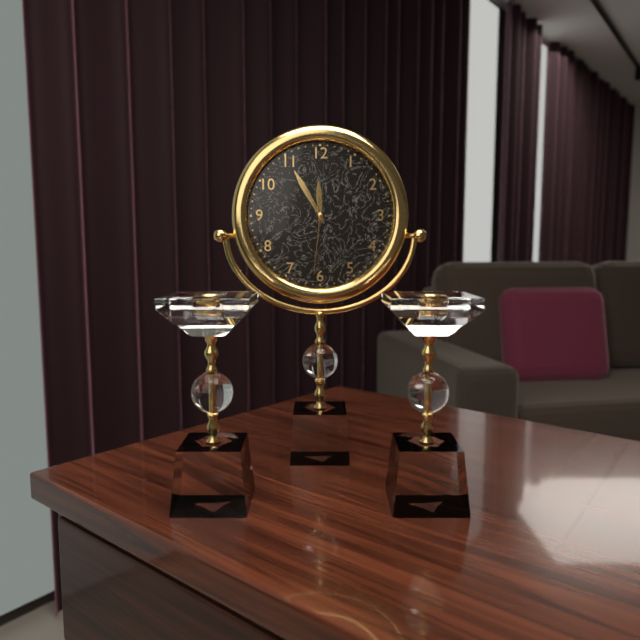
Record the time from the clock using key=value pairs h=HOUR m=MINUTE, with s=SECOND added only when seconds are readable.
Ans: h=11 m=55 s=31
